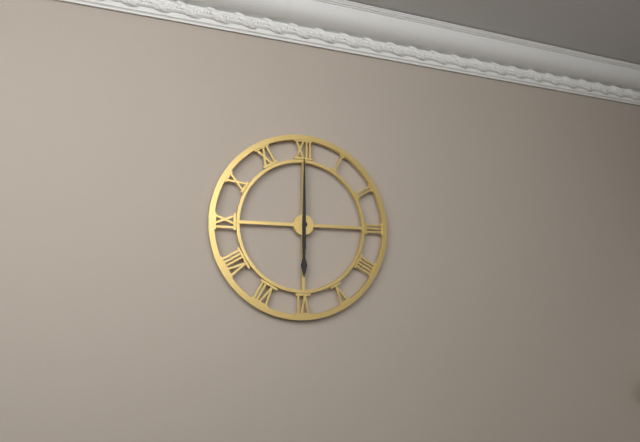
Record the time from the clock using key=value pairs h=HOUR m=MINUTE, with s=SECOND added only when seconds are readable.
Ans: h=6 m=0
